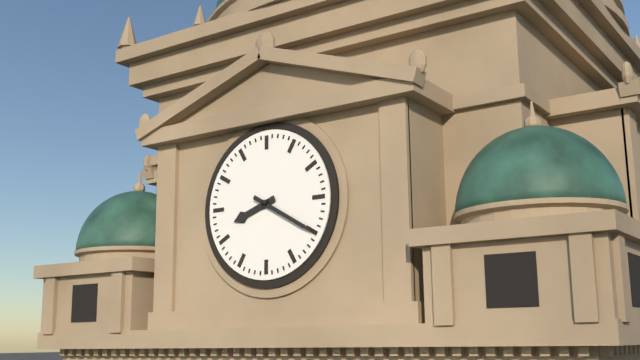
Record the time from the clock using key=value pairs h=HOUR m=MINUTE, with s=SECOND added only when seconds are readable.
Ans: h=8 m=20
